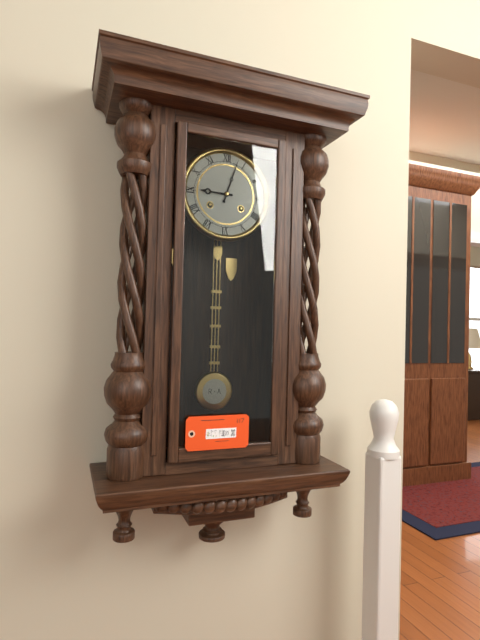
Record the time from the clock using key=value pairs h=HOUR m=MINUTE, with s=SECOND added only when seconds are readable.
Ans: h=9 m=3
